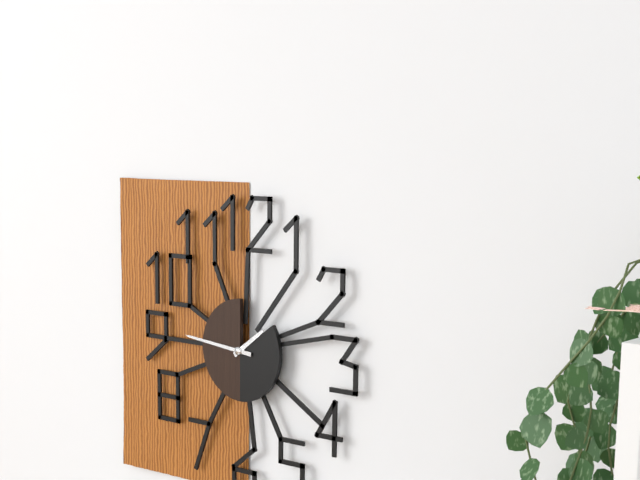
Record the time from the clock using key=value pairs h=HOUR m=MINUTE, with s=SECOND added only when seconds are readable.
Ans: h=1 m=46
